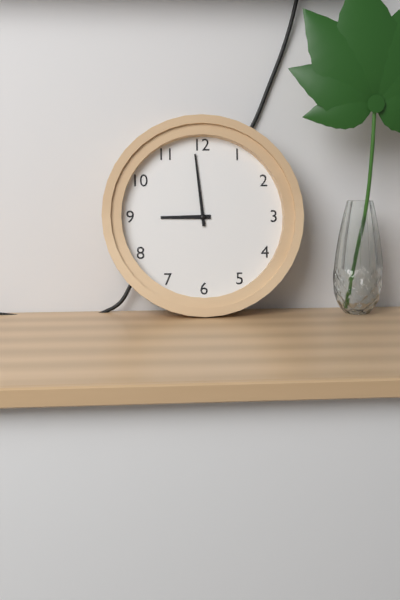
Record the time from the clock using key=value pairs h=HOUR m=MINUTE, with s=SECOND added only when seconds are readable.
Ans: h=8 m=59
